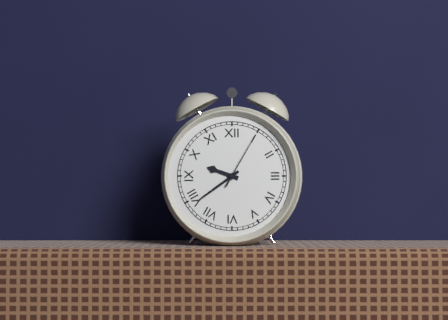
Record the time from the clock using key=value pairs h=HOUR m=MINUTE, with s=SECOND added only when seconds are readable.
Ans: h=9 m=39 s=5
